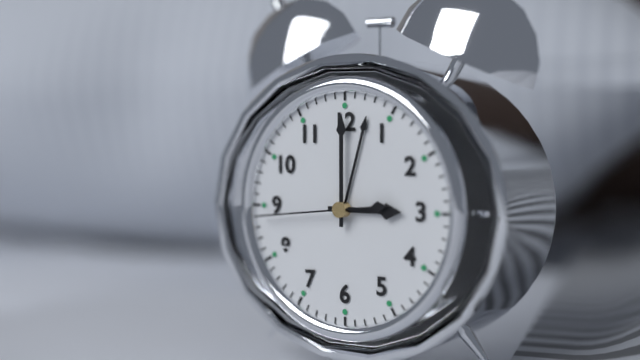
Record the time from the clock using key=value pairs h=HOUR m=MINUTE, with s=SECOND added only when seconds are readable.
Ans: h=3 m=0 s=44
